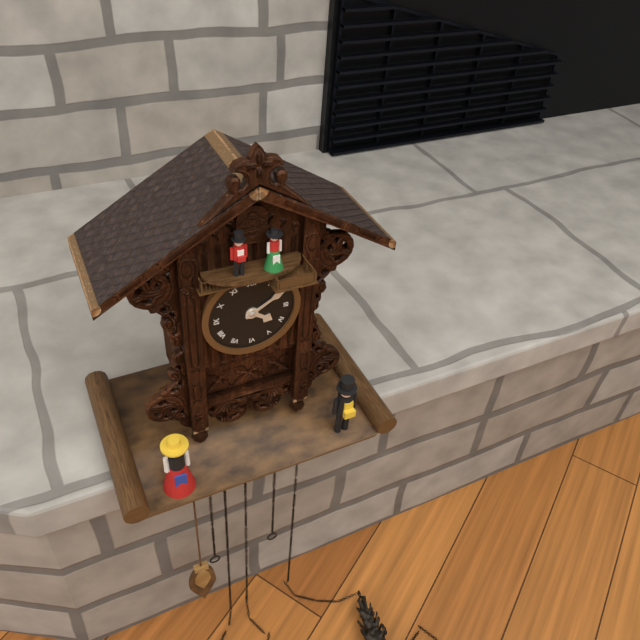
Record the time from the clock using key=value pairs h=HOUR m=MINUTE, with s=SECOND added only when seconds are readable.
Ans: h=4 m=10
